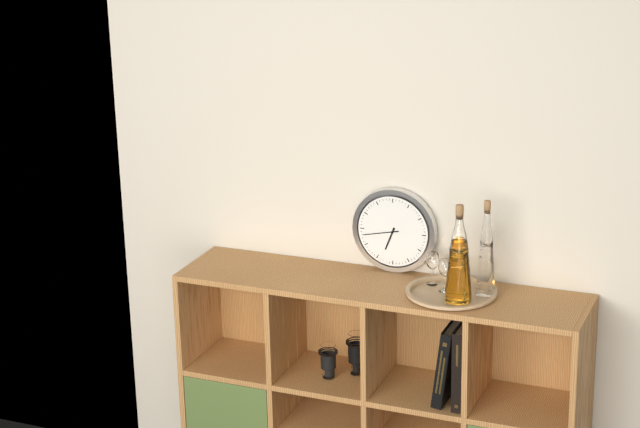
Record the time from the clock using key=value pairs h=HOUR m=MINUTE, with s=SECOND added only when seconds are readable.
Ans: h=6 m=43
